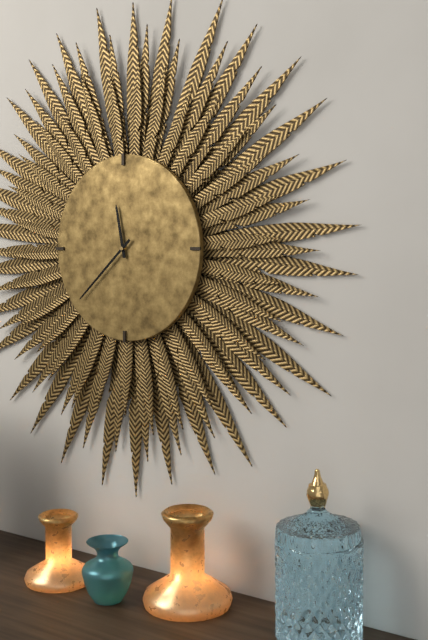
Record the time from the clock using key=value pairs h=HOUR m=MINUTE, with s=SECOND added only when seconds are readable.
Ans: h=11 m=38
